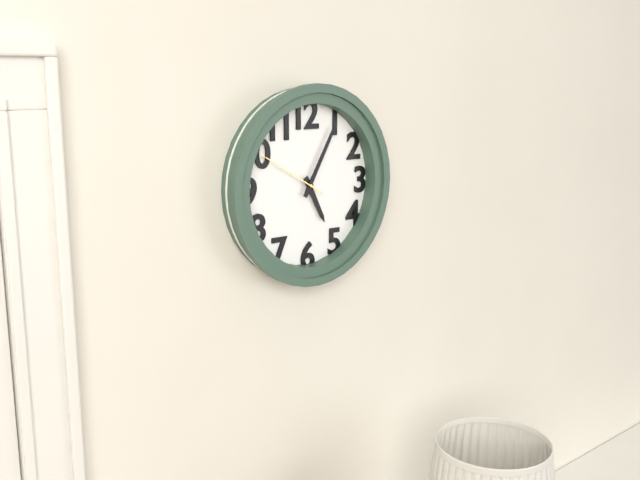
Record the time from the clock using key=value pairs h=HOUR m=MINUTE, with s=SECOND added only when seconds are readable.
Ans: h=5 m=5 s=50
